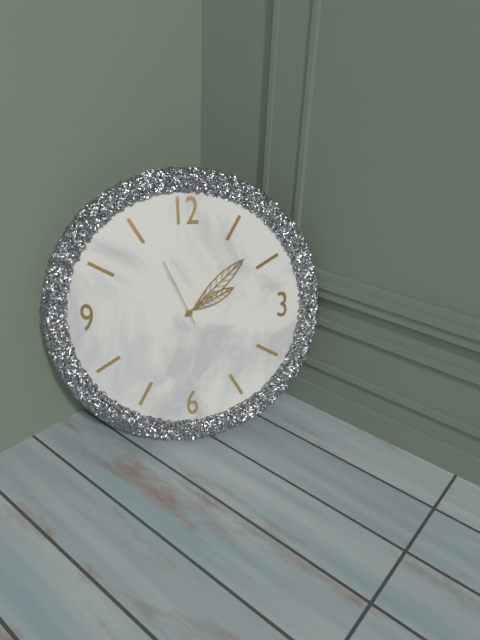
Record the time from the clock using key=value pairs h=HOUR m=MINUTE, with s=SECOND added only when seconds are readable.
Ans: h=2 m=8 s=56
